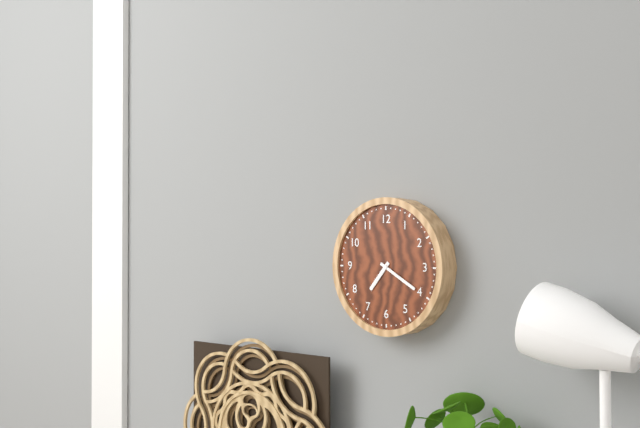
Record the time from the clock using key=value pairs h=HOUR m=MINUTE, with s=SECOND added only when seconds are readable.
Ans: h=7 m=20
